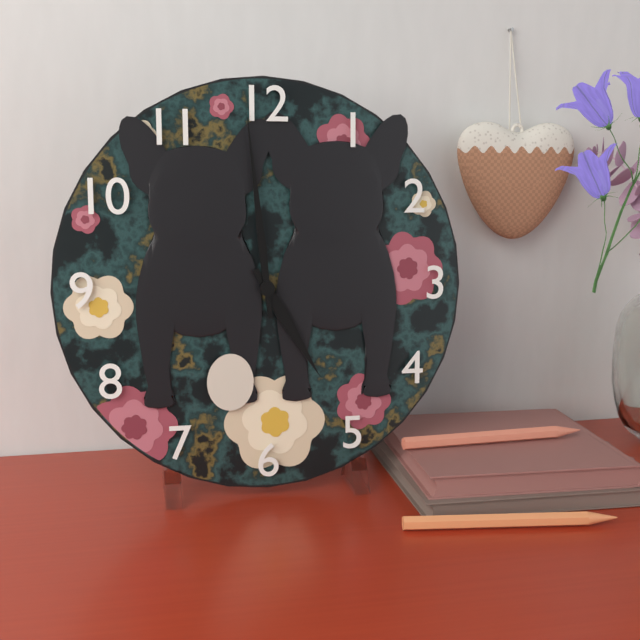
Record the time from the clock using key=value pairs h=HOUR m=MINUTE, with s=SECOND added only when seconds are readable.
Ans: h=4 m=59
